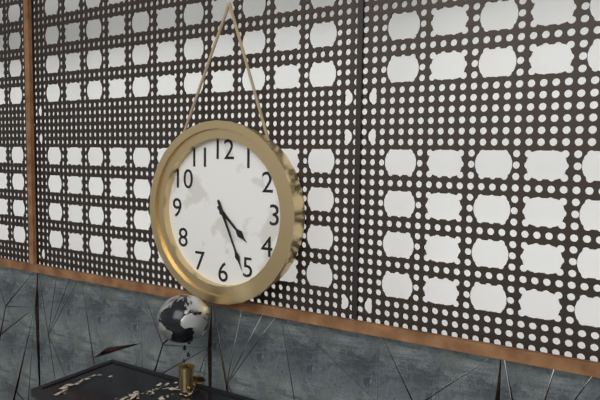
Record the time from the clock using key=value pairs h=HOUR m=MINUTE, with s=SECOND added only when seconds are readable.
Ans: h=4 m=26
